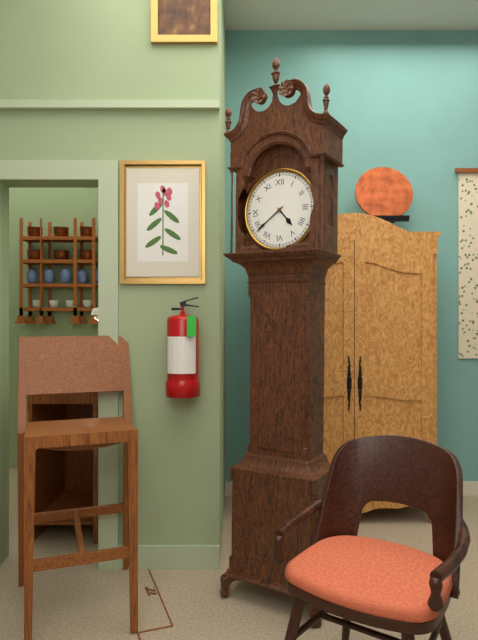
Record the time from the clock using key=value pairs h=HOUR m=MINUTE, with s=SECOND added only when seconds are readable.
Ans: h=4 m=39
